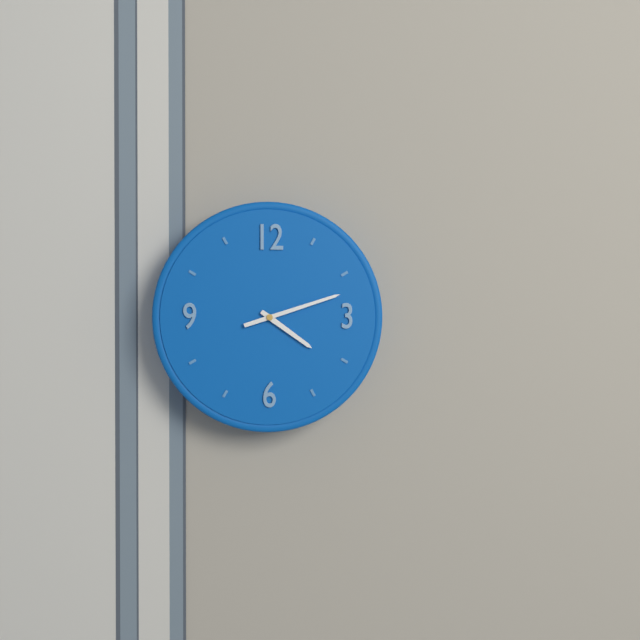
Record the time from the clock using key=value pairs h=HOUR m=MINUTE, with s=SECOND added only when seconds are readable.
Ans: h=4 m=12
